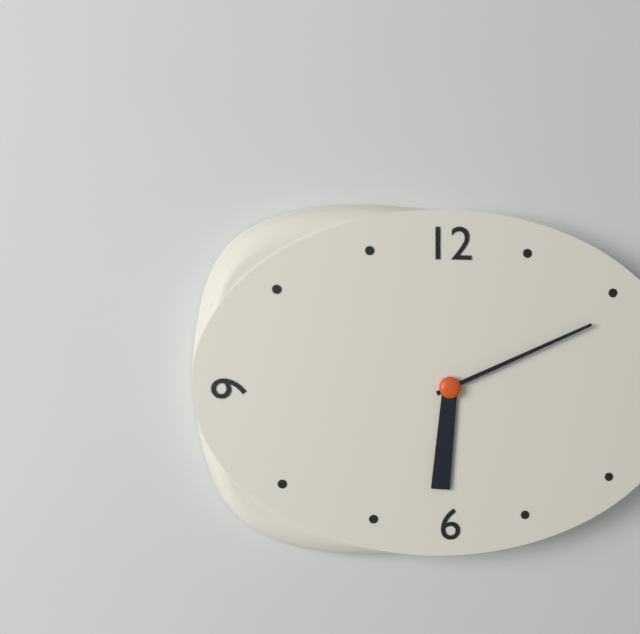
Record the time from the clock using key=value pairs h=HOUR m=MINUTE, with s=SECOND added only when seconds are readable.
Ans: h=6 m=11
